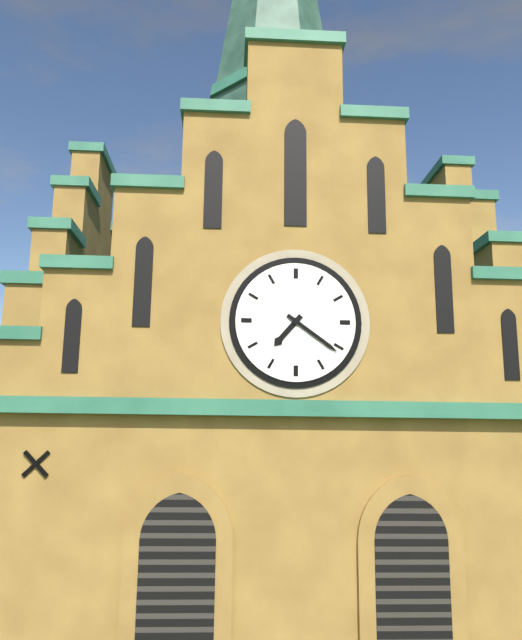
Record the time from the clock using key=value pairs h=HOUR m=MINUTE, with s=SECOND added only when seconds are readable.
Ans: h=7 m=21
